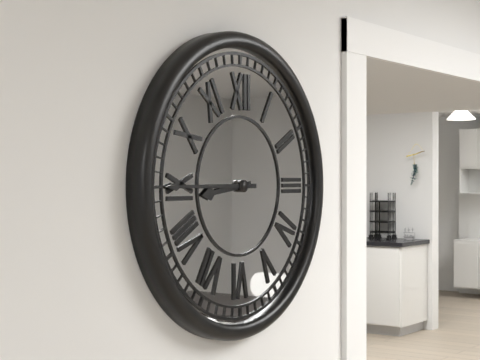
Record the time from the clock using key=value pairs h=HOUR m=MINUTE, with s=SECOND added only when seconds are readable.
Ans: h=8 m=45
